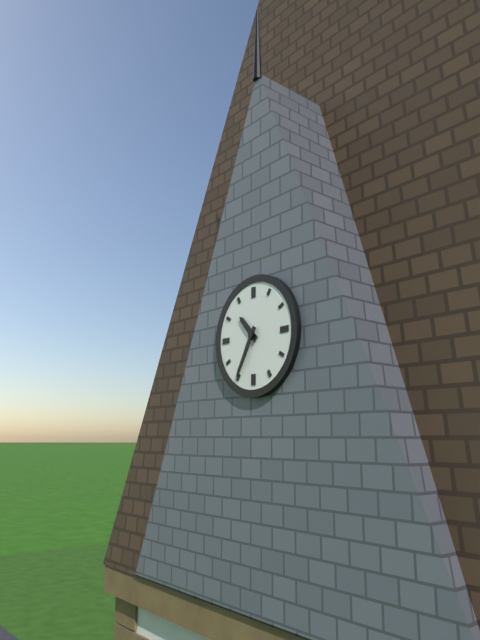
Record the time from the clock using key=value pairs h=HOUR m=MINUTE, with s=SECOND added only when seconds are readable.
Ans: h=10 m=35
